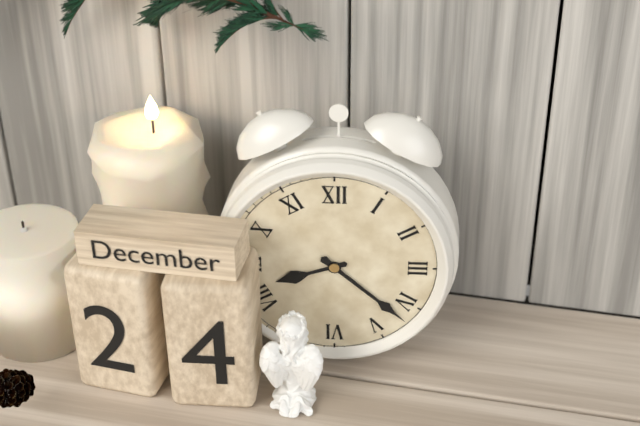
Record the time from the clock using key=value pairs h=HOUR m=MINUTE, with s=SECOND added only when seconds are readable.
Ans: h=8 m=22
